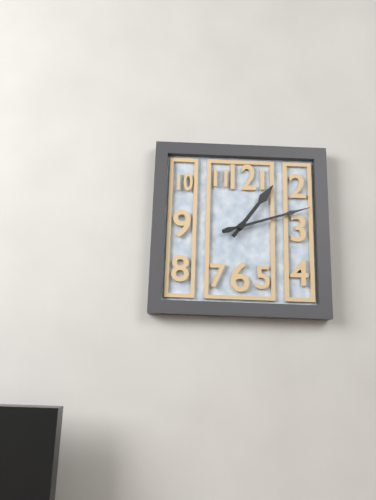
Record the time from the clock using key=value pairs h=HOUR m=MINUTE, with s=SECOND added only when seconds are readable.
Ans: h=1 m=12
